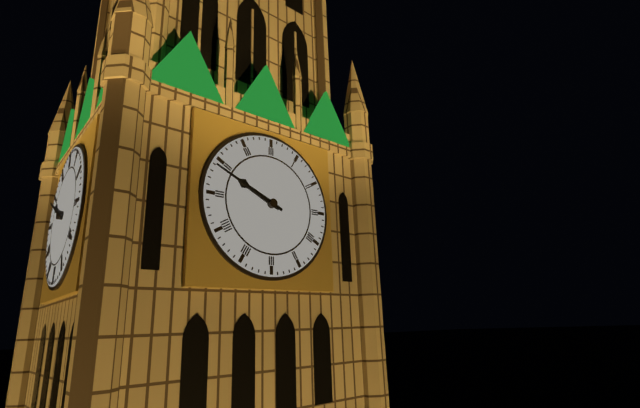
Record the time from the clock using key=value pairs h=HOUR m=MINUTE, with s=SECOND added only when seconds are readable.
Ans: h=9 m=49
